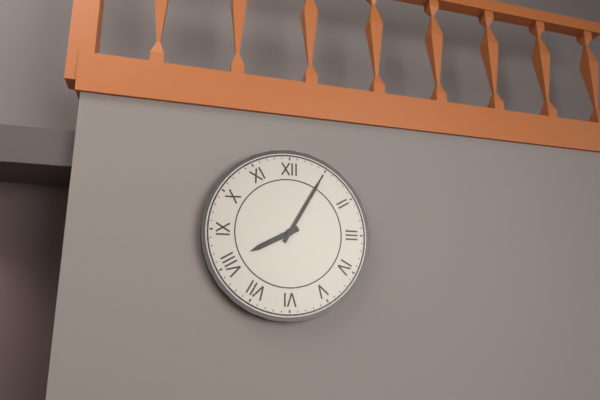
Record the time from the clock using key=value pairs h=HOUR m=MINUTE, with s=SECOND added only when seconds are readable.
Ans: h=8 m=5
